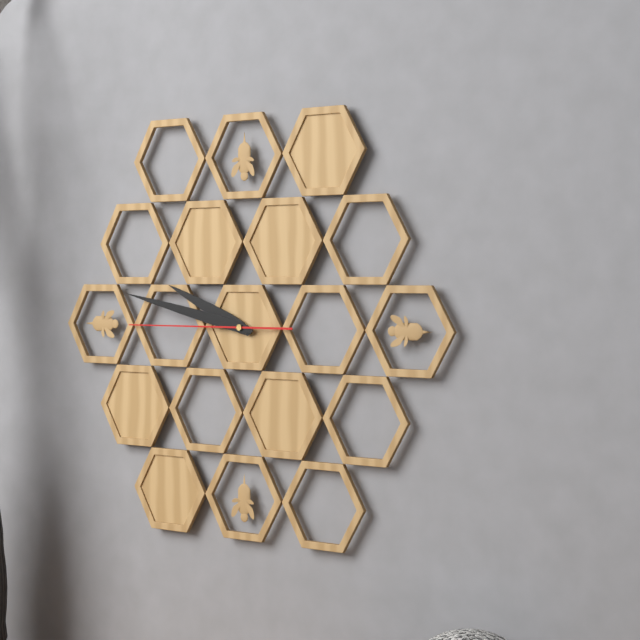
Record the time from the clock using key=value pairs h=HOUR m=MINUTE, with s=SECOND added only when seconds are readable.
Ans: h=9 m=47 s=45
